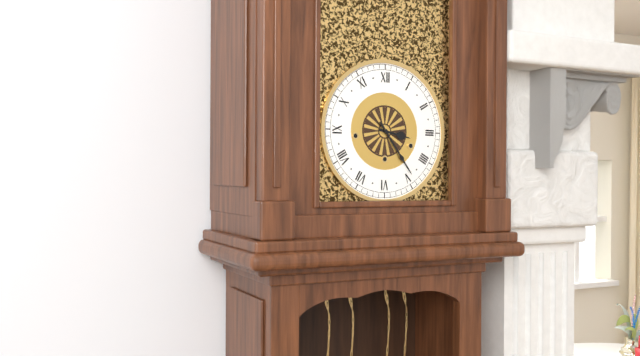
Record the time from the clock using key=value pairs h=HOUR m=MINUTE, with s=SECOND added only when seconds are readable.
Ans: h=3 m=24
